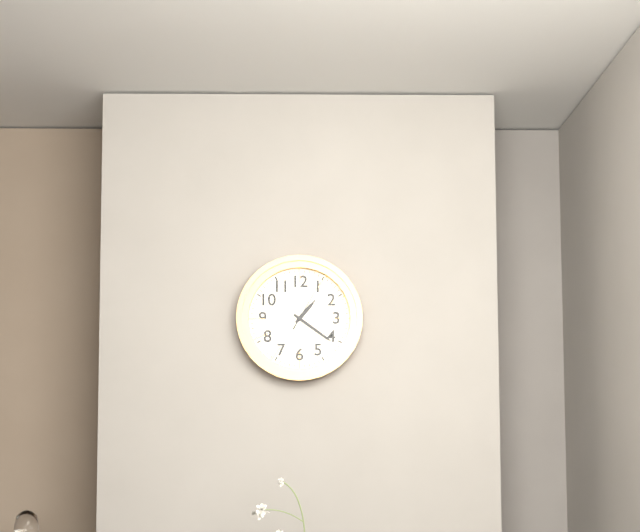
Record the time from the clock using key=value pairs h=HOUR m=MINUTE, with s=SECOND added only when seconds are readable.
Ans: h=1 m=21 s=5
